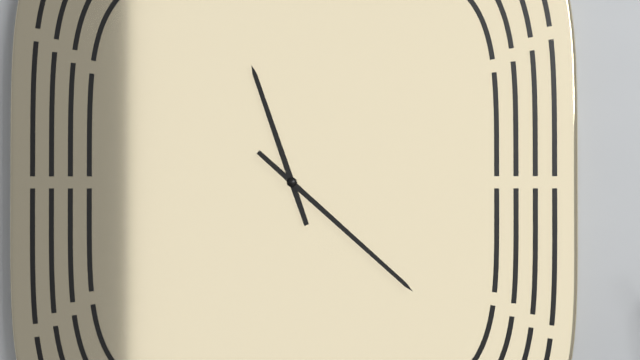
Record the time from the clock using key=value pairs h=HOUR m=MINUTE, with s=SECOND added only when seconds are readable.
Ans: h=11 m=22
